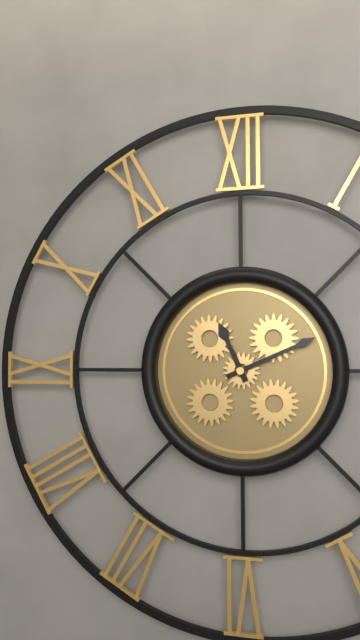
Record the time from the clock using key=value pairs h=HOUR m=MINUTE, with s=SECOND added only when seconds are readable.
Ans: h=11 m=11
